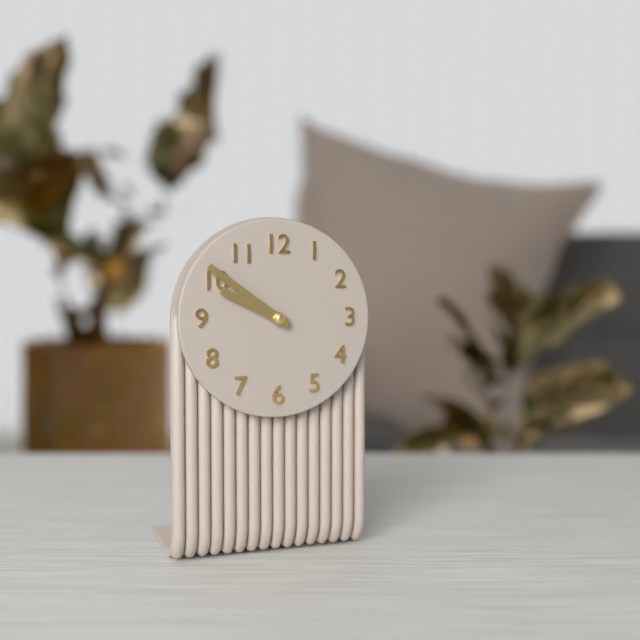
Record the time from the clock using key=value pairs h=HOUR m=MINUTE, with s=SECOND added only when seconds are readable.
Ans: h=9 m=51
